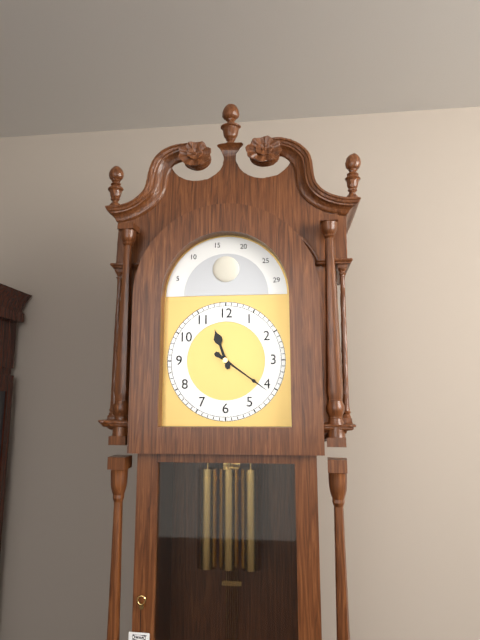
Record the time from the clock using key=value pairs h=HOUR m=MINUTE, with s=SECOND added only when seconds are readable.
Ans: h=11 m=21
